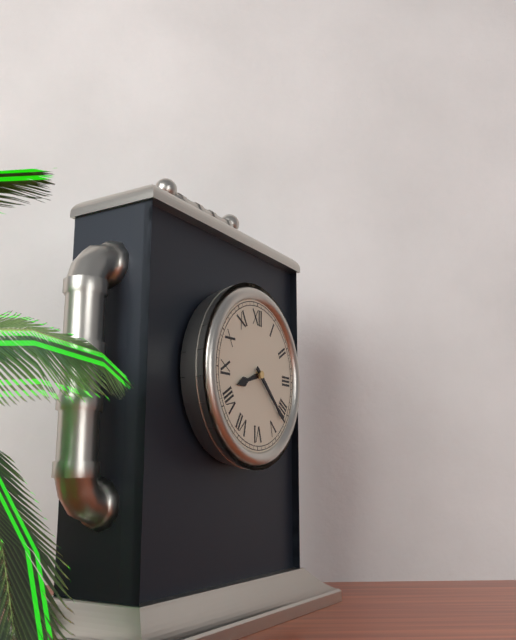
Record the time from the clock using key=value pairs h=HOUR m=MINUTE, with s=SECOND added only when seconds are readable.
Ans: h=8 m=22
